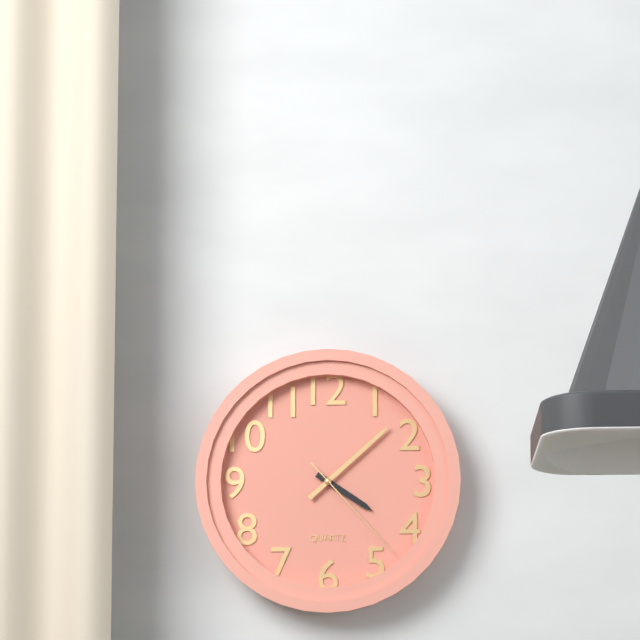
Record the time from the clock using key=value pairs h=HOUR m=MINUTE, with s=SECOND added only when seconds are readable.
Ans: h=4 m=8 s=23
